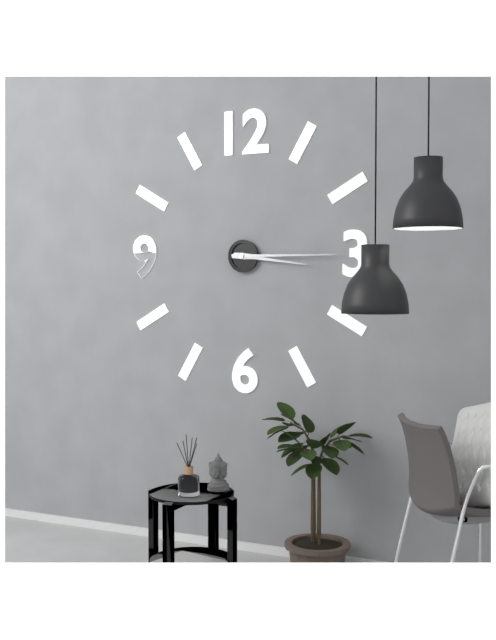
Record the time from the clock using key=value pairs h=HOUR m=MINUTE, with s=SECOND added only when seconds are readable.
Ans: h=3 m=15
